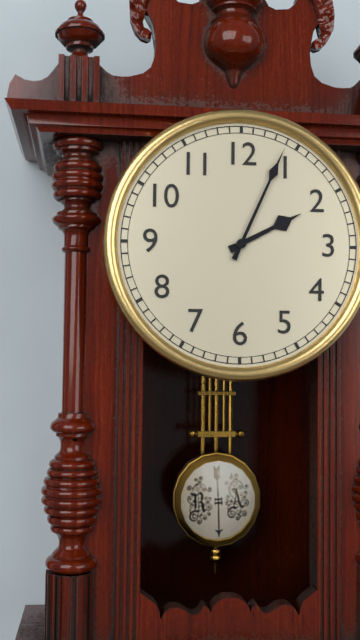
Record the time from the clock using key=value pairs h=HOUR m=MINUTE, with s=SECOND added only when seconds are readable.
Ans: h=2 m=4
